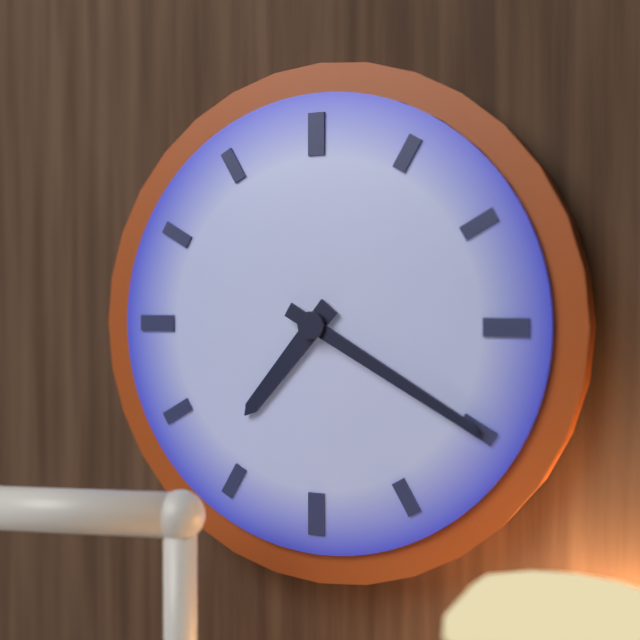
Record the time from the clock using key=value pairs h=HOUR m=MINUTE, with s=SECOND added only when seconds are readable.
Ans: h=7 m=20
